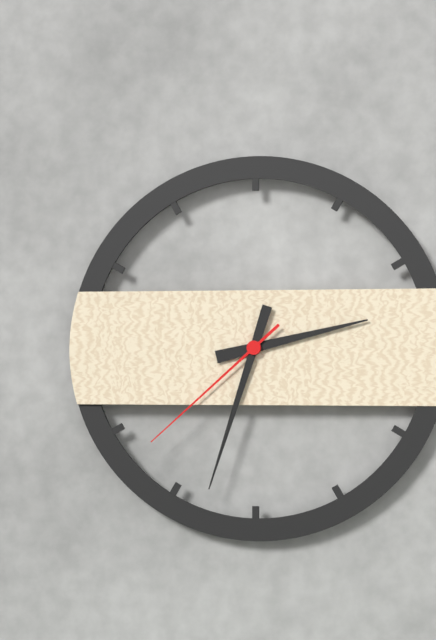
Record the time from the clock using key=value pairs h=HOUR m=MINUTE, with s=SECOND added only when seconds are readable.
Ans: h=2 m=33 s=38
